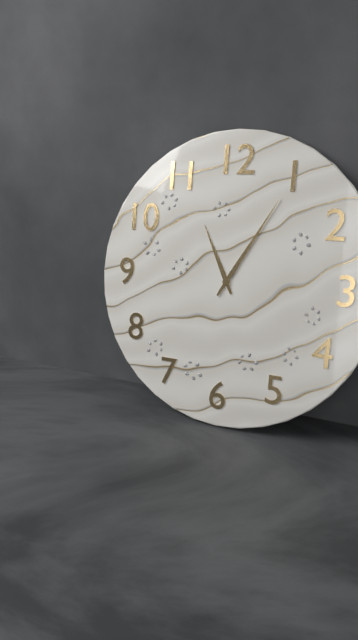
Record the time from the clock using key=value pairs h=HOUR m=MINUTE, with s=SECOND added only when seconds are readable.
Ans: h=11 m=5
